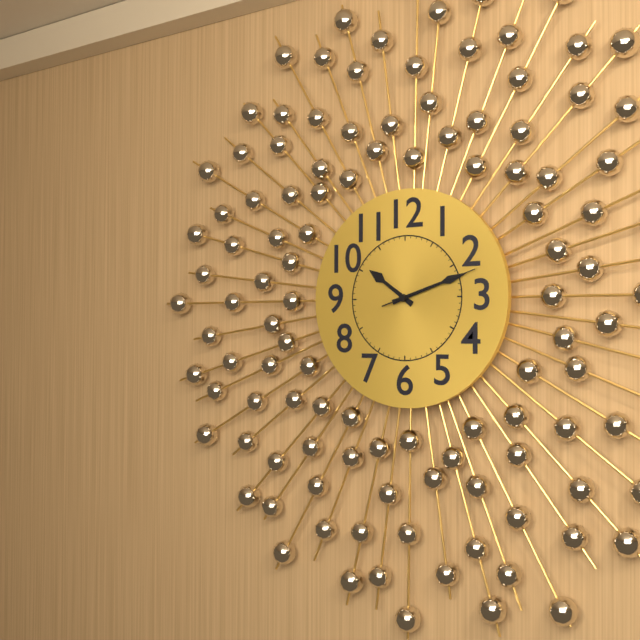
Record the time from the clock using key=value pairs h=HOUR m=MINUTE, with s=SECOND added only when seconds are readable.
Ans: h=10 m=12 s=12
